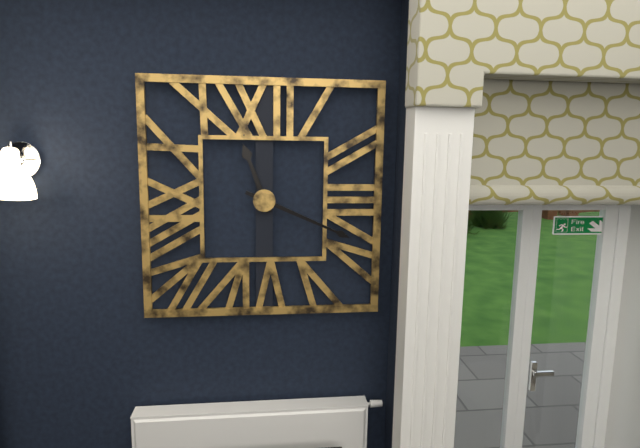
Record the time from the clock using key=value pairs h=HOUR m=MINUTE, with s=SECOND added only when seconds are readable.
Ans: h=11 m=19
